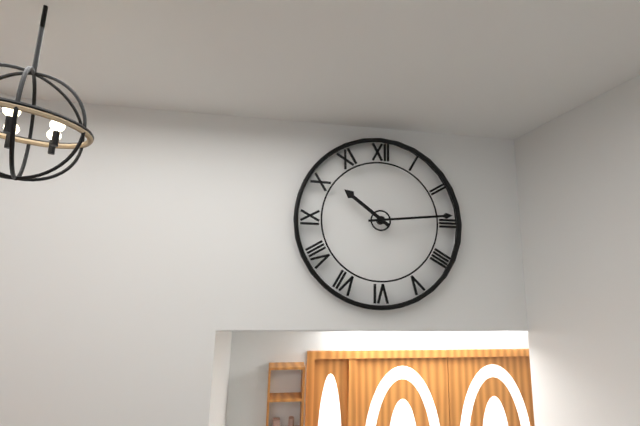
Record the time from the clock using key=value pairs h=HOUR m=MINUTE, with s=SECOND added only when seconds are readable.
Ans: h=10 m=14
